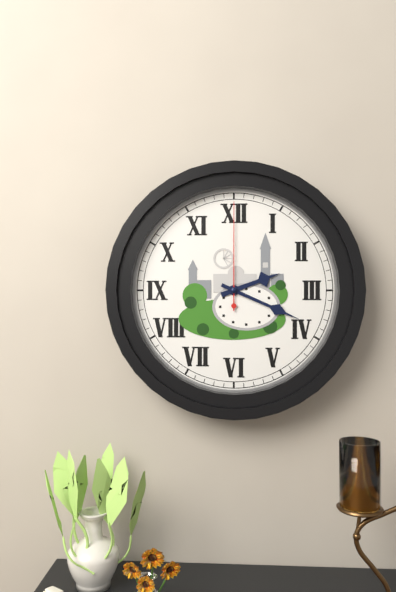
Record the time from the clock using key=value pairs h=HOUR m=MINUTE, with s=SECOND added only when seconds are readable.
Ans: h=2 m=19 s=0
